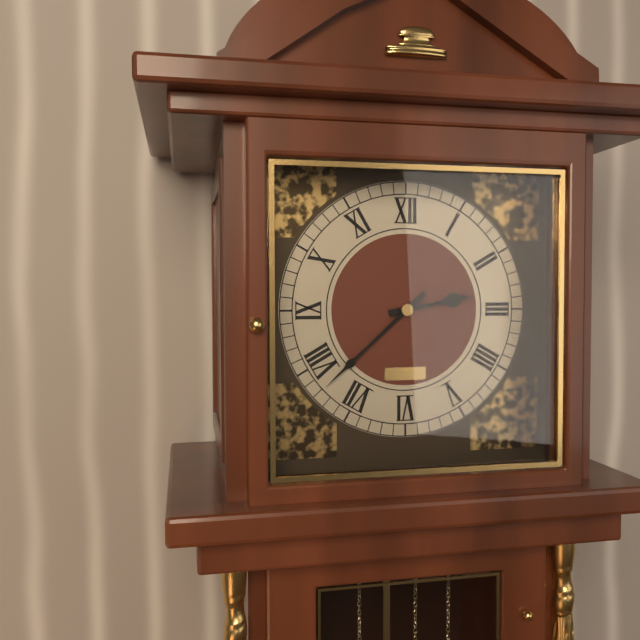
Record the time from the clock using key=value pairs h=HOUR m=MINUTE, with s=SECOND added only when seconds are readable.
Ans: h=2 m=38
